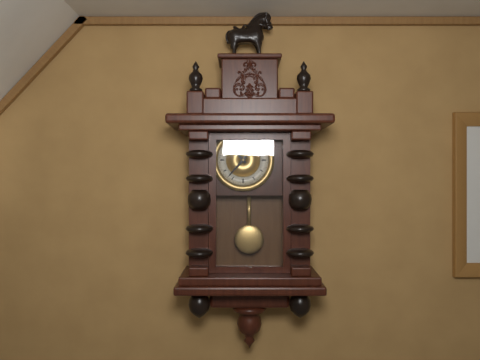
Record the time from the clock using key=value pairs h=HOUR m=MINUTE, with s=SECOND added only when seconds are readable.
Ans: h=10 m=37
